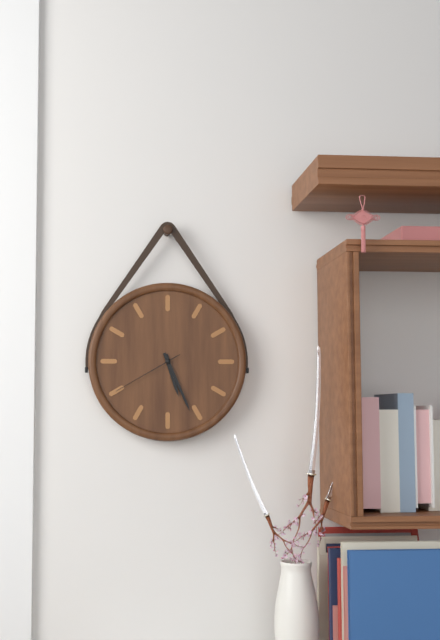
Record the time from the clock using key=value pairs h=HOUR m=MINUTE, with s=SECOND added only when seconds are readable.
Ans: h=5 m=26 s=40
